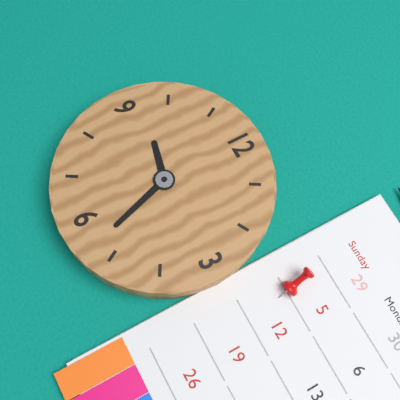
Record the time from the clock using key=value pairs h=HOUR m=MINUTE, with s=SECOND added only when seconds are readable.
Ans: h=9 m=27
